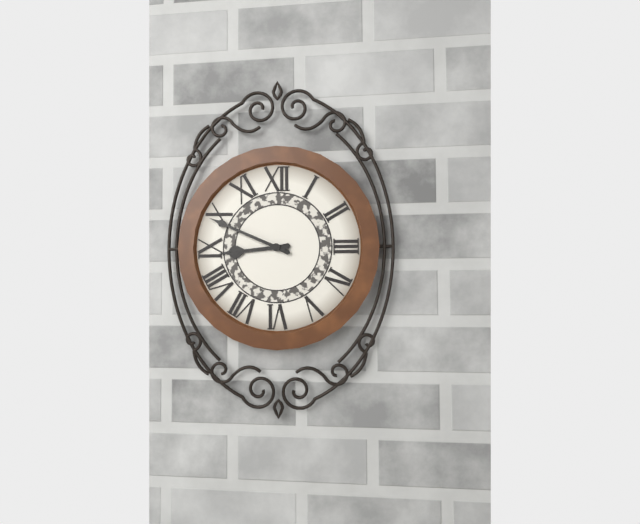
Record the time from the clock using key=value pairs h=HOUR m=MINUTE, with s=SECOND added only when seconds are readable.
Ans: h=8 m=49
